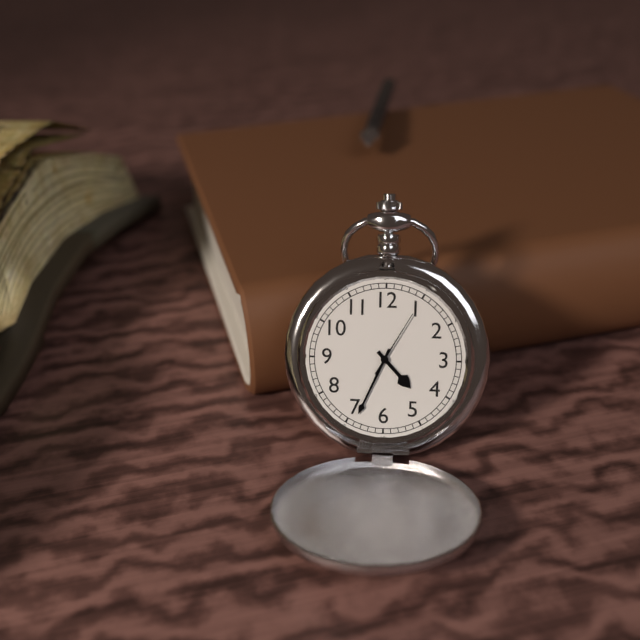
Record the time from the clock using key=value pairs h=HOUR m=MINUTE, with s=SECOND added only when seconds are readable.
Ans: h=4 m=34 s=5
